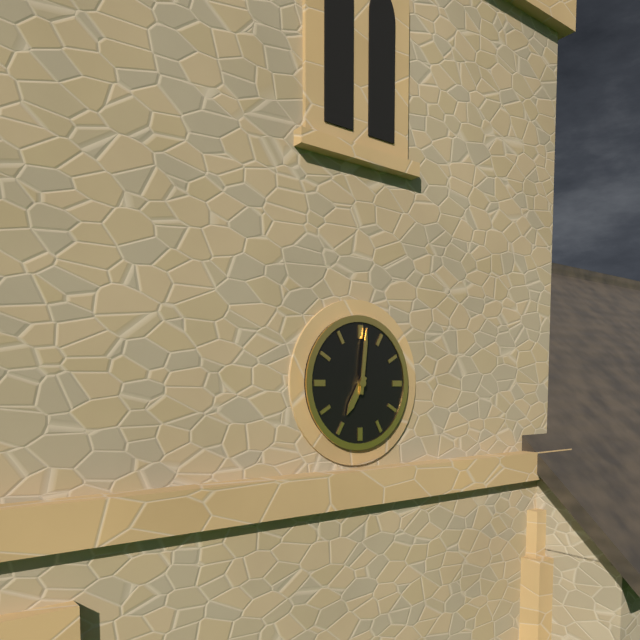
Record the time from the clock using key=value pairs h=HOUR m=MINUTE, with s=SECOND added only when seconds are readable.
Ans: h=7 m=1
